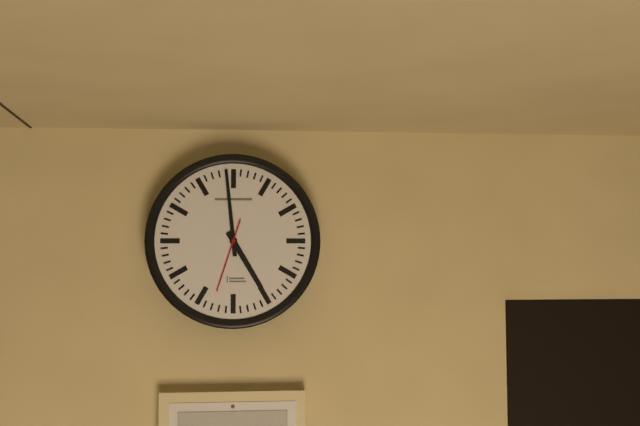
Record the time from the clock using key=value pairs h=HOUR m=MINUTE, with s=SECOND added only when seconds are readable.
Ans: h=4 m=59 s=33
